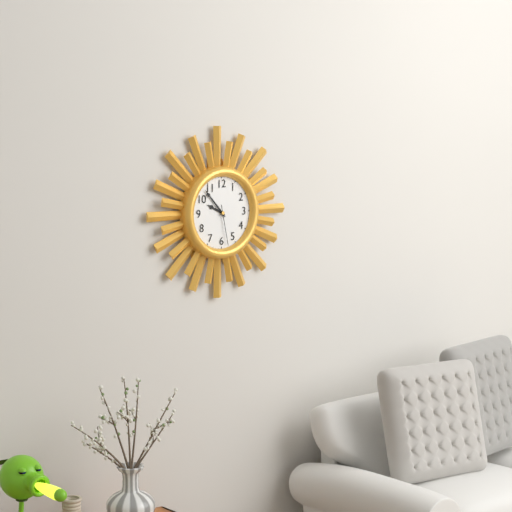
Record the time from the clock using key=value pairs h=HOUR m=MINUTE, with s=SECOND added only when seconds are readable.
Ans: h=9 m=53
